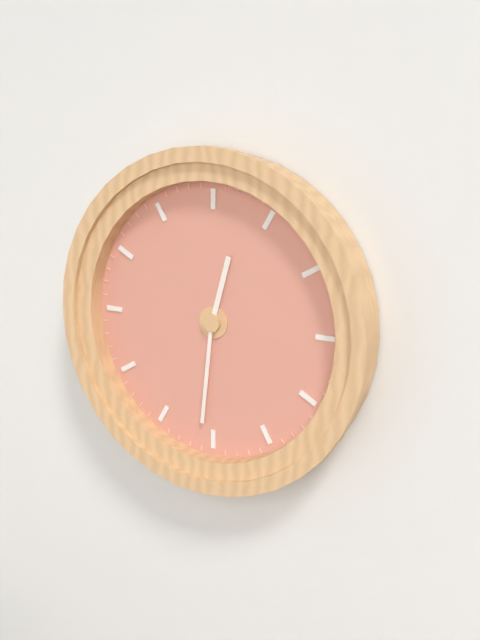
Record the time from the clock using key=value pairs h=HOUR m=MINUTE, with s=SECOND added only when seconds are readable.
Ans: h=12 m=31
